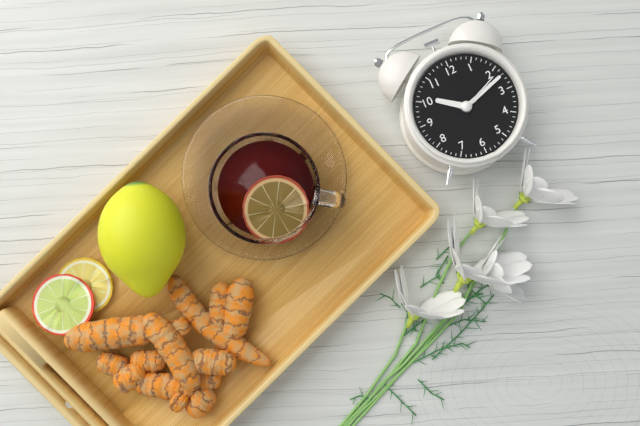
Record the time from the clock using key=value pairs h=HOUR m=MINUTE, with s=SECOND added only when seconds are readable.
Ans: h=10 m=12 s=11
